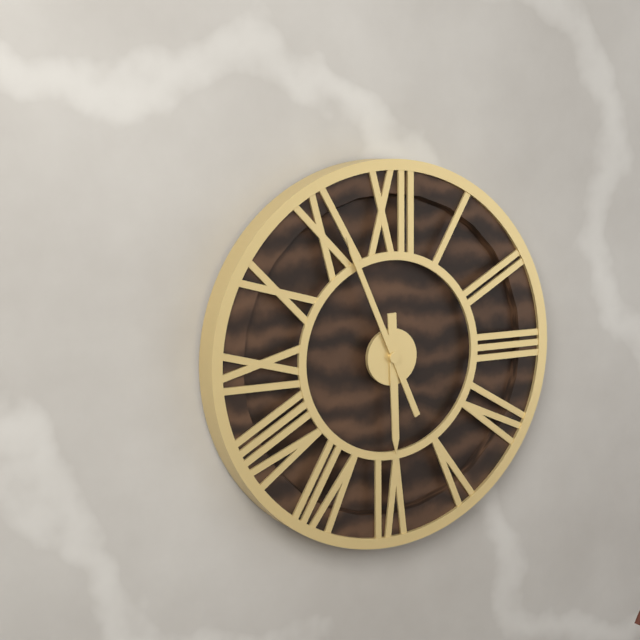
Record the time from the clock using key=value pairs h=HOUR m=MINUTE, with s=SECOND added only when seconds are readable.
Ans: h=5 m=56
